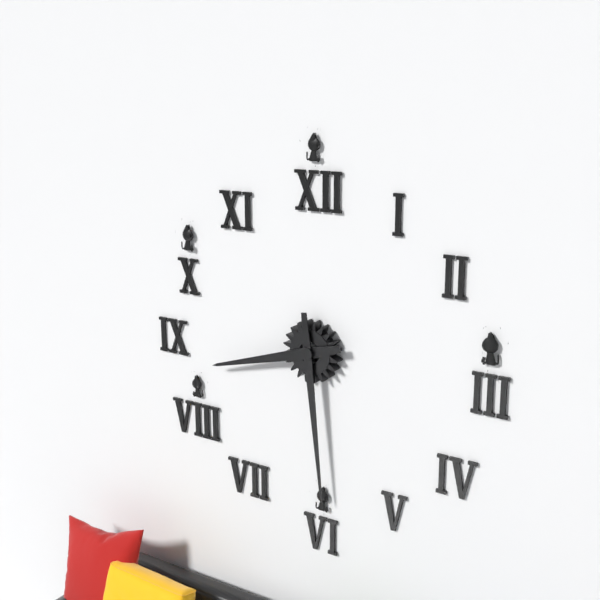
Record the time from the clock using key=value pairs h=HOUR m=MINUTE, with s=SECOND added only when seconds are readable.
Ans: h=8 m=29
